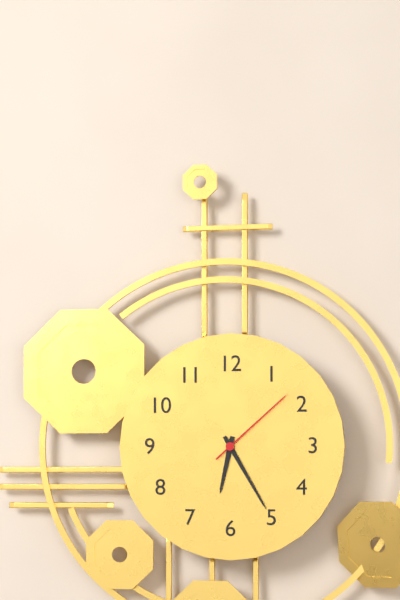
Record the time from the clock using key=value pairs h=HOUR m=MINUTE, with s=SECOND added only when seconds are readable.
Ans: h=6 m=25 s=8
